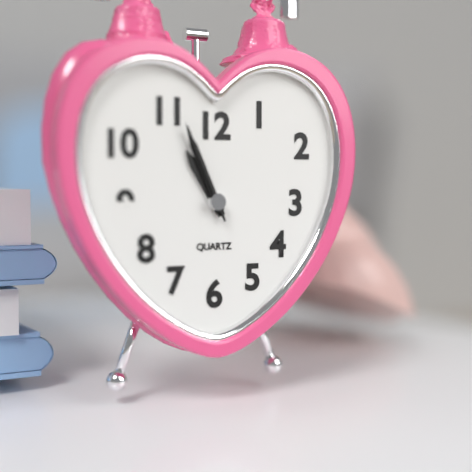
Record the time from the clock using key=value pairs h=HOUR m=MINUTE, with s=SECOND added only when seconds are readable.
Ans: h=10 m=56 s=56
